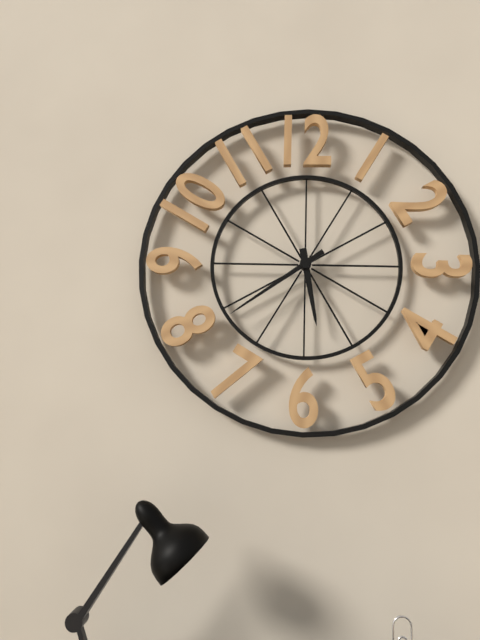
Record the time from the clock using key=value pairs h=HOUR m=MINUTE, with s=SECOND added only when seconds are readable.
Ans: h=5 m=39
